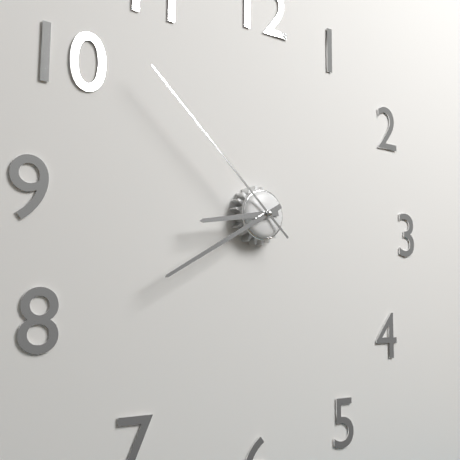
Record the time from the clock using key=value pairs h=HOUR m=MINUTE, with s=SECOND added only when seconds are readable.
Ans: h=8 m=40 s=52
